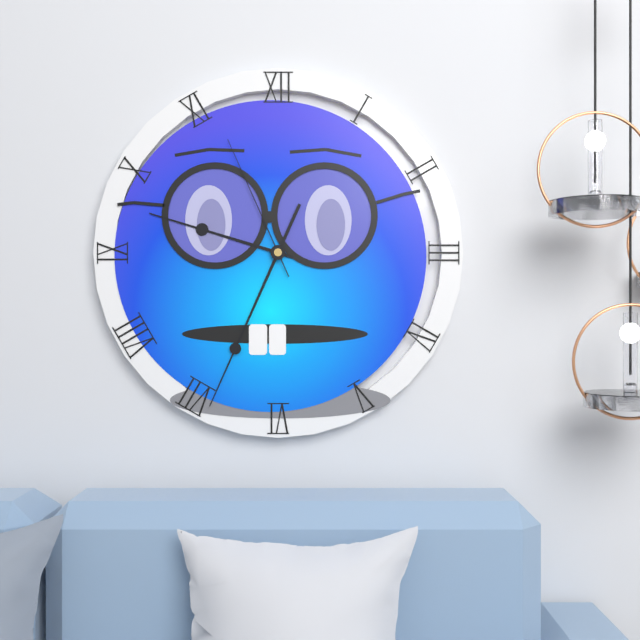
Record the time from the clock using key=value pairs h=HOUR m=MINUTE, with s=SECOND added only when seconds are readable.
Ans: h=9 m=34 s=56
